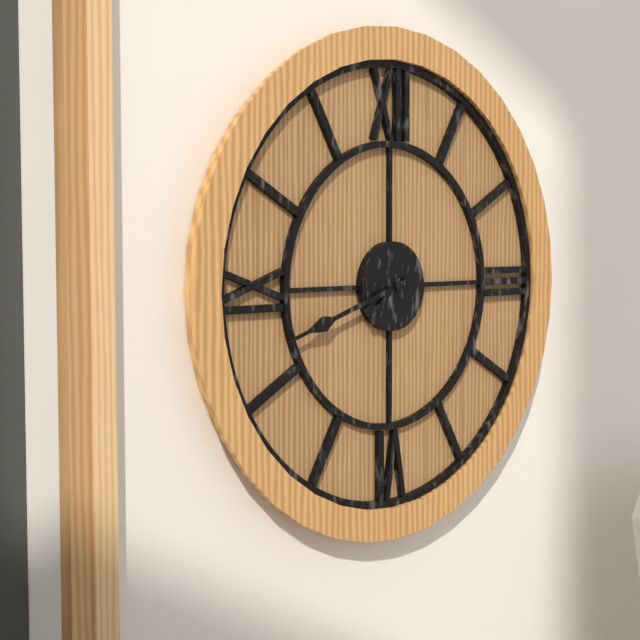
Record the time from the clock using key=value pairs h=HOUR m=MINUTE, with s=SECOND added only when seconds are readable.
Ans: h=7 m=42
